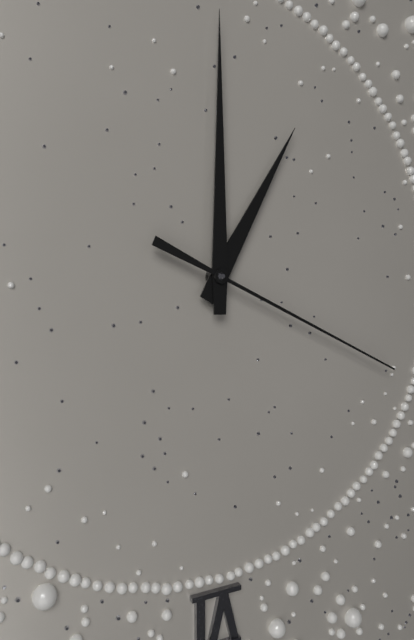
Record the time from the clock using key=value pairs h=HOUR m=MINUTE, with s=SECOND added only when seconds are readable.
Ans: h=1 m=0 s=19
